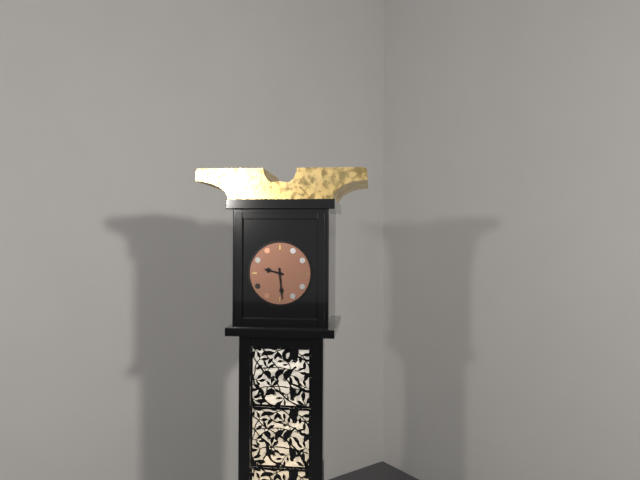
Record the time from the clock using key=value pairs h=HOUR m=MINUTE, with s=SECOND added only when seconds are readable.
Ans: h=9 m=29
